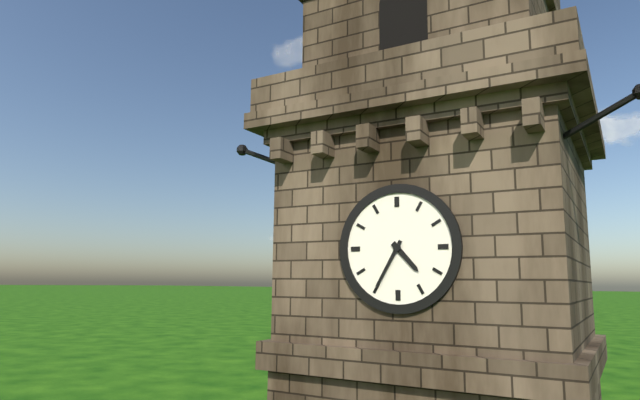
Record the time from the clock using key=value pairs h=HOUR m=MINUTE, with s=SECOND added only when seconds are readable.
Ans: h=4 m=35
